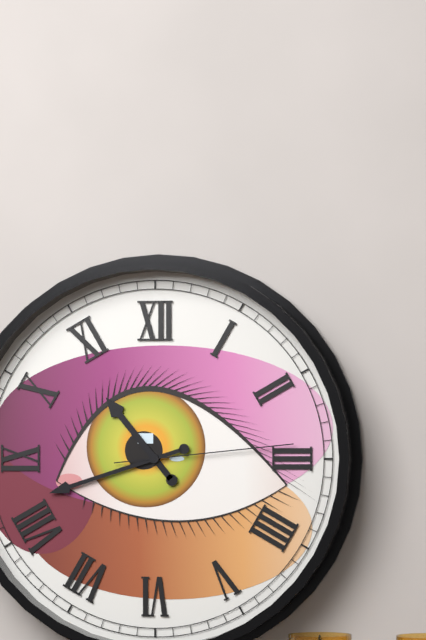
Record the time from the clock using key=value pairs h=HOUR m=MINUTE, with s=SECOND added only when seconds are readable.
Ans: h=10 m=42 s=14
